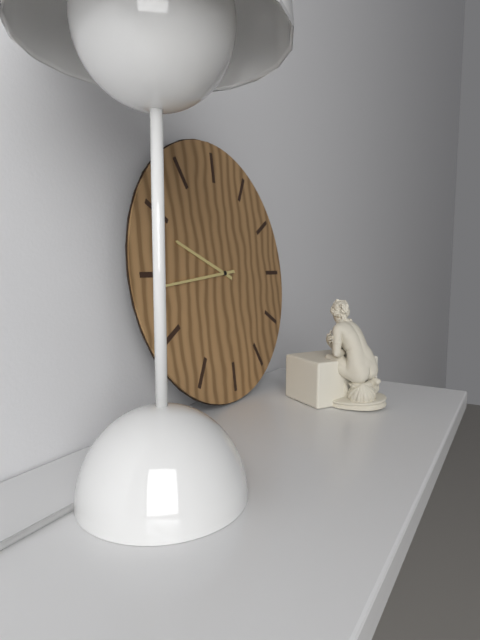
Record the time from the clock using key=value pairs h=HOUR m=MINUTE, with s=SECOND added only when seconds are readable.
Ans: h=9 m=44
